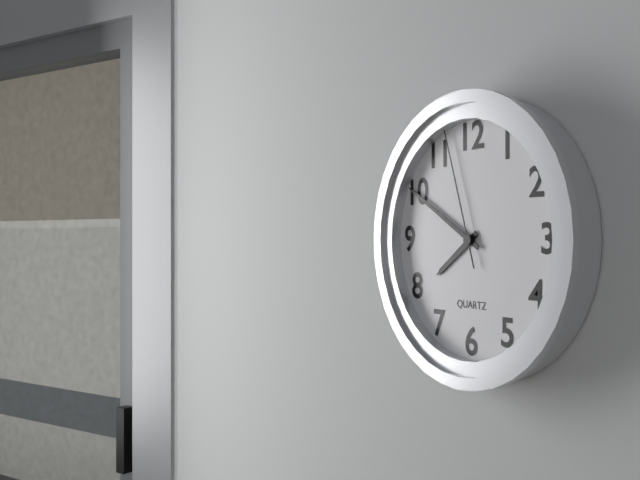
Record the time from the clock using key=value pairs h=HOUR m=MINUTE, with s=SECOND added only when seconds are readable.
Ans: h=7 m=50 s=57
